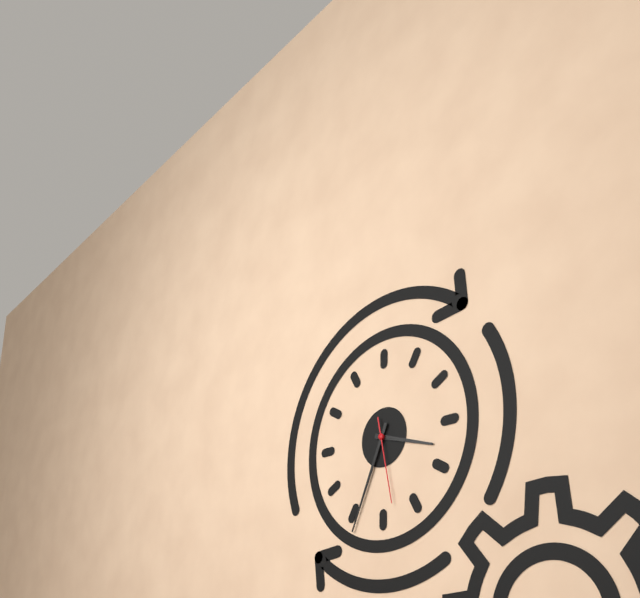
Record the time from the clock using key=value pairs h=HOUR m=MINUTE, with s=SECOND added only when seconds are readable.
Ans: h=3 m=34 s=28
